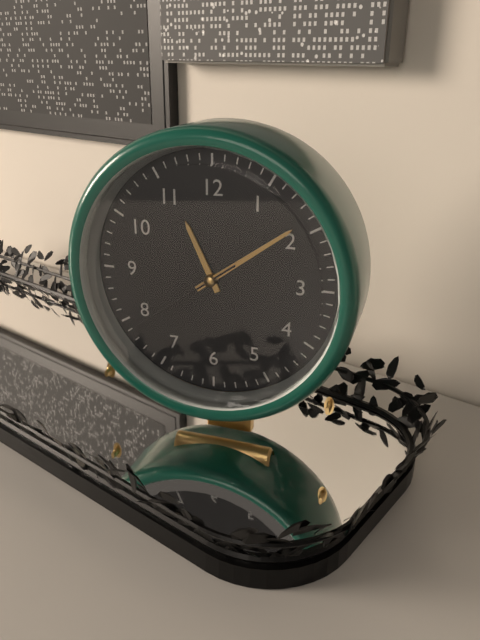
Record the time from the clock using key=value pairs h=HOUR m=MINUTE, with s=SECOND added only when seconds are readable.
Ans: h=11 m=9 s=39
